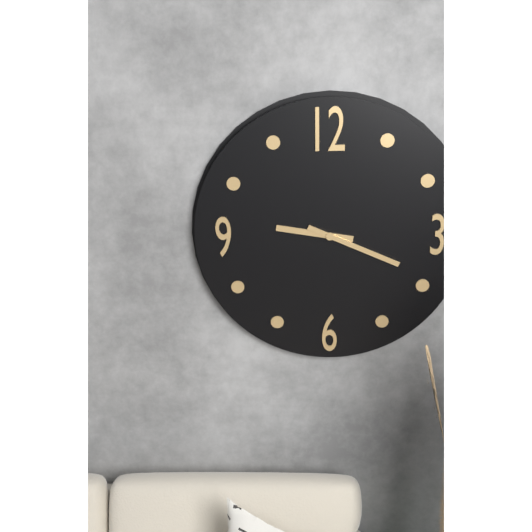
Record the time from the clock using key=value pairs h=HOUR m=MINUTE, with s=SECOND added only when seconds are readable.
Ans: h=9 m=19
